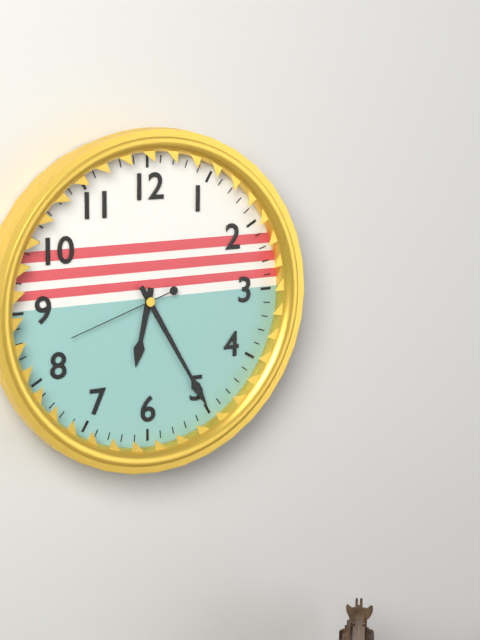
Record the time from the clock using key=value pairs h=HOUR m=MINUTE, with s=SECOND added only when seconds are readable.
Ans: h=6 m=25 s=42
